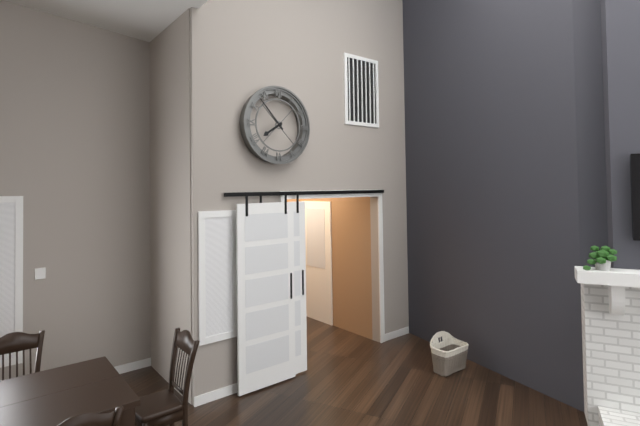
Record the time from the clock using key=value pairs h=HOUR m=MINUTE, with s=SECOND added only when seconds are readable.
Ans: h=7 m=53
